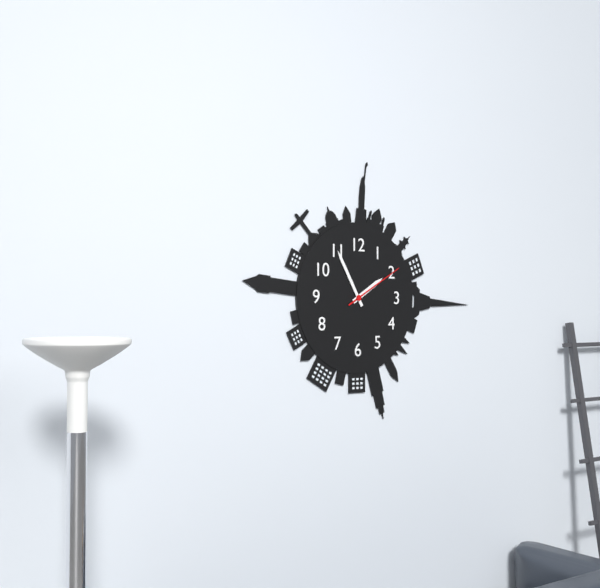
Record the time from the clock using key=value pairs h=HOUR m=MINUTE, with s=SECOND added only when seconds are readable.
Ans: h=1 m=55 s=10
